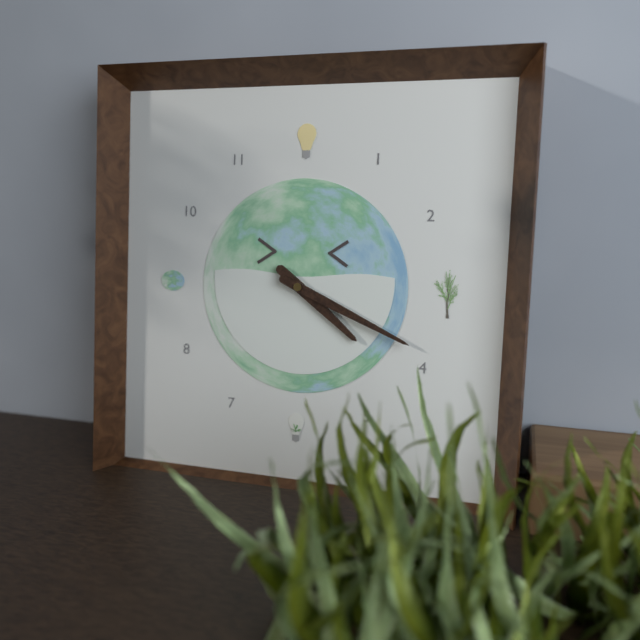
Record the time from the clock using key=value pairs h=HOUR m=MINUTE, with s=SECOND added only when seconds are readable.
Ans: h=4 m=19
